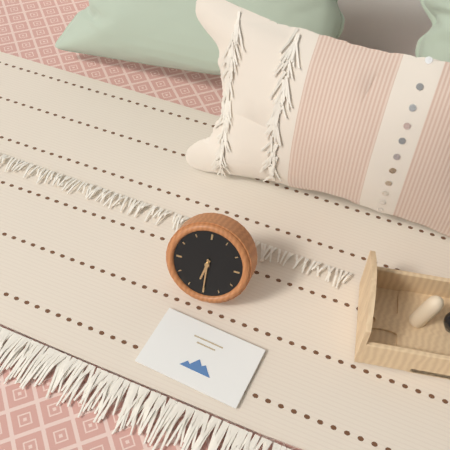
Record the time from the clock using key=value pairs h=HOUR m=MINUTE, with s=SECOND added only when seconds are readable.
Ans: h=6 m=30
